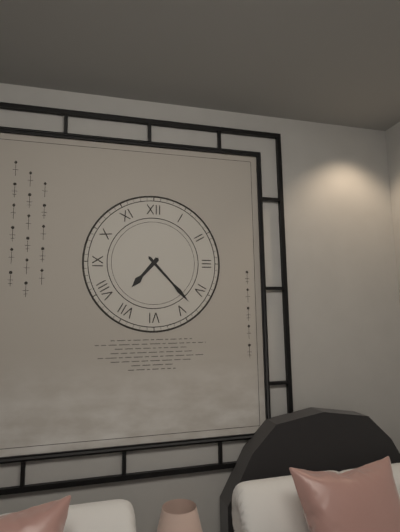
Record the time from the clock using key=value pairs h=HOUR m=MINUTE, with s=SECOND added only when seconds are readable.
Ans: h=7 m=23
